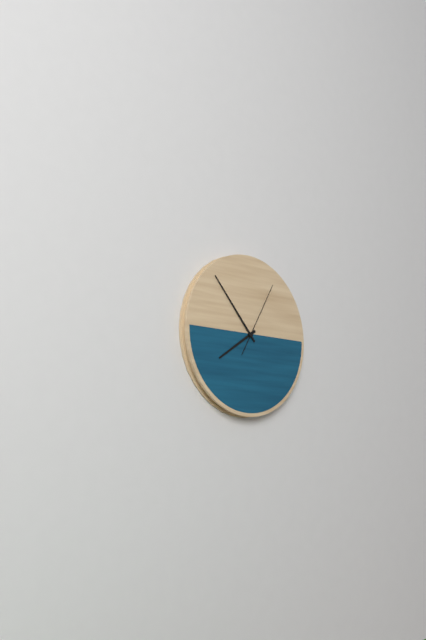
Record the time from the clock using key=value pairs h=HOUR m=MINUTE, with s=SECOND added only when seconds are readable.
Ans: h=7 m=53 s=5
